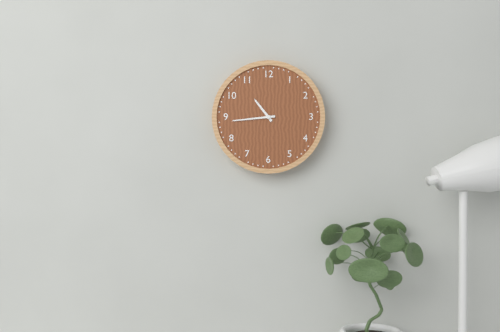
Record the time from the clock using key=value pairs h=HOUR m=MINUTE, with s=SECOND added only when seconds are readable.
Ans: h=10 m=44
